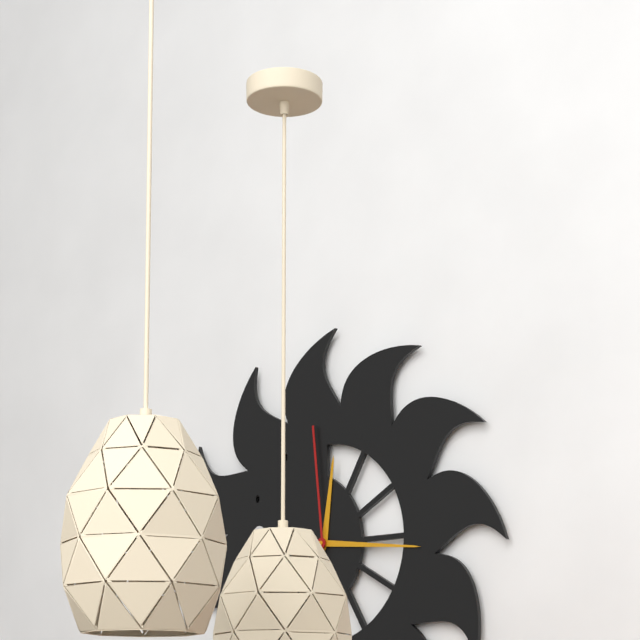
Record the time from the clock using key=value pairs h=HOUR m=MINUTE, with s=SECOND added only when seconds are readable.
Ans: h=12 m=16 s=59
